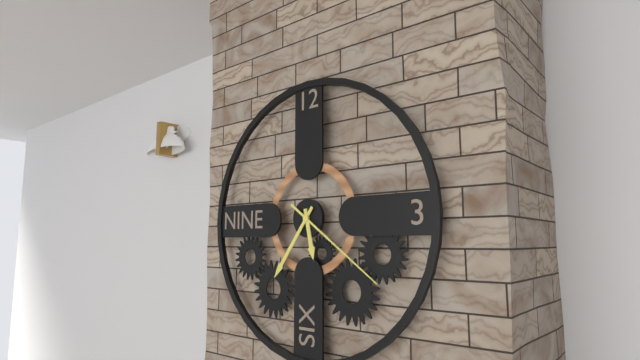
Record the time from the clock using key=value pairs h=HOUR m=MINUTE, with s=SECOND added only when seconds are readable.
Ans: h=5 m=36 s=21
